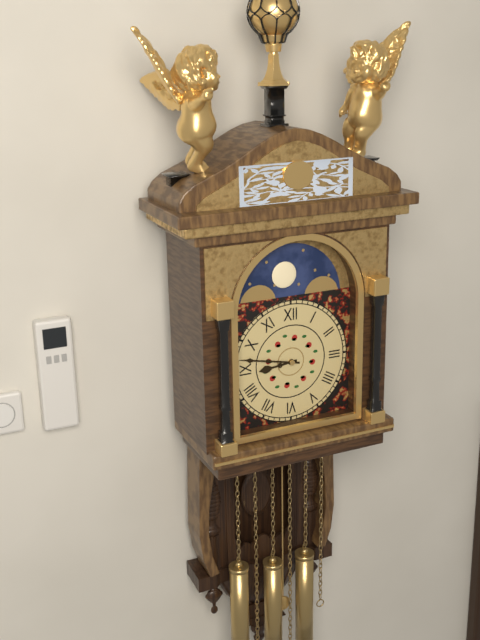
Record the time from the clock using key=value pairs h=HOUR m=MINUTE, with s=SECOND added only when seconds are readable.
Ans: h=8 m=47
